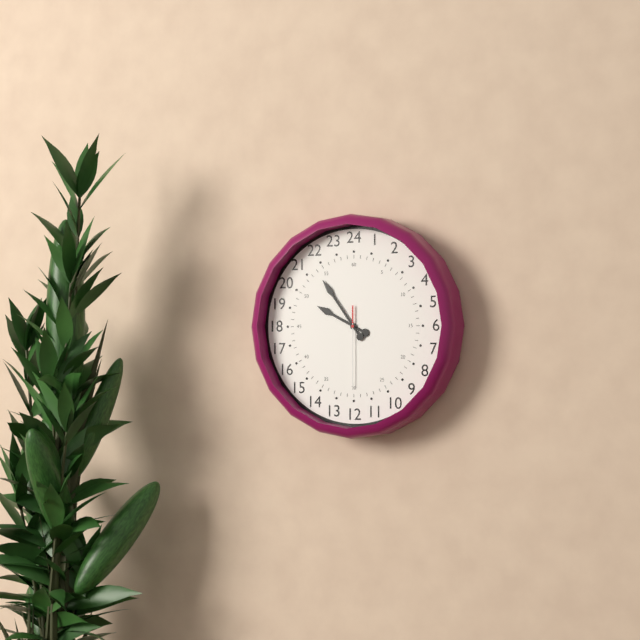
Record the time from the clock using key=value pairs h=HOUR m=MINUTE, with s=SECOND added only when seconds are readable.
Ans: h=9 m=54 s=30
